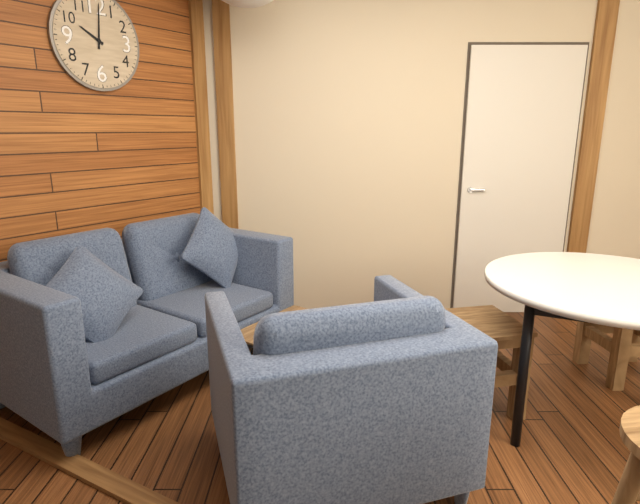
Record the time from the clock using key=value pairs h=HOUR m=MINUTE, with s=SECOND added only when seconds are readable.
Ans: h=10 m=1
